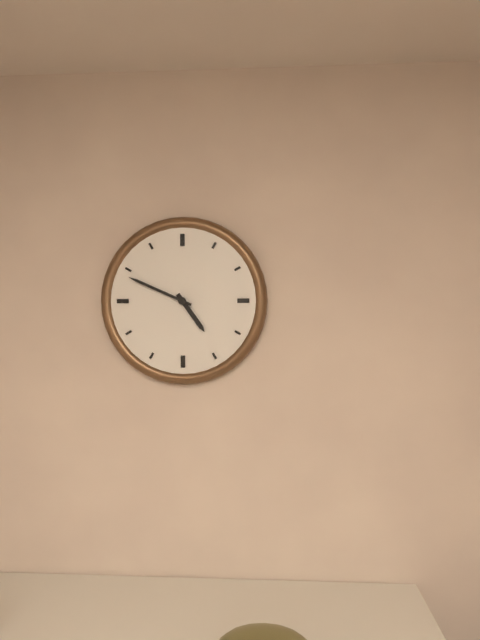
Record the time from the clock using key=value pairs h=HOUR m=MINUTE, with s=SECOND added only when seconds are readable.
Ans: h=4 m=49
